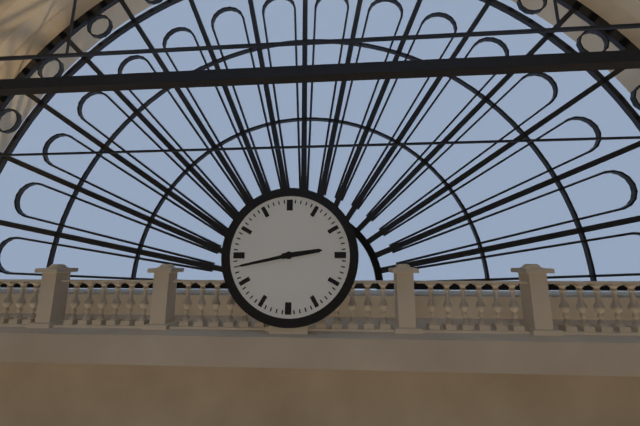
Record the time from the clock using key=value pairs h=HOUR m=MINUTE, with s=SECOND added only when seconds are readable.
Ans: h=2 m=43
